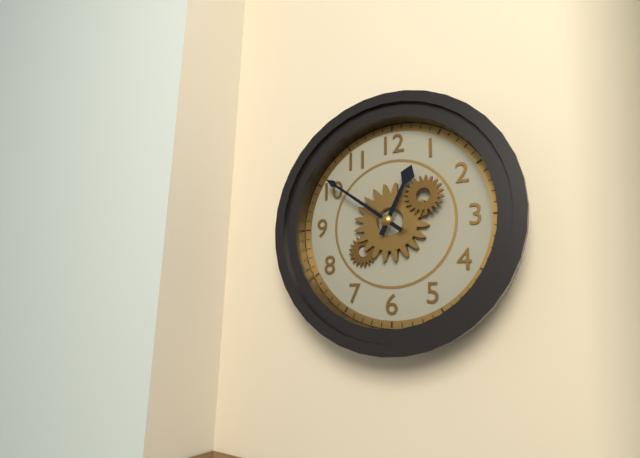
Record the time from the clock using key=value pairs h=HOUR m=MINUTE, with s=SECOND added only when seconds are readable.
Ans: h=12 m=51
